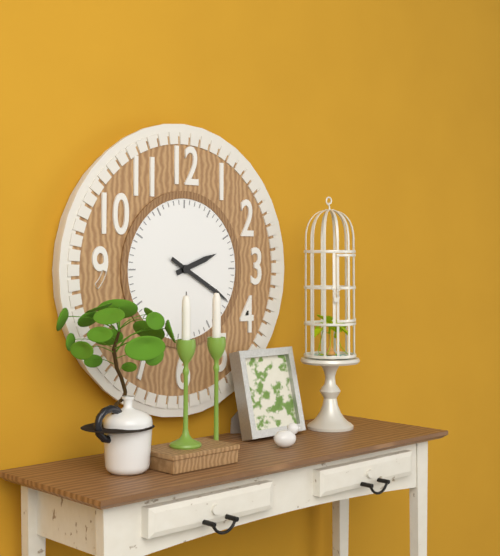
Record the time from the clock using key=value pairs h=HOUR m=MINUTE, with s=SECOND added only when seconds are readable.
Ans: h=2 m=20
